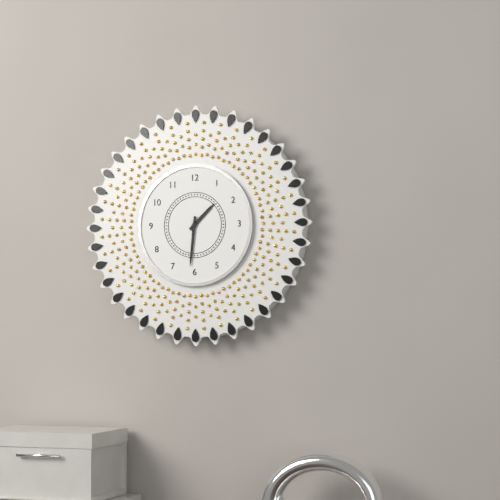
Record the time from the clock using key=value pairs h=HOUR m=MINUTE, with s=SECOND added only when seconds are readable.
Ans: h=1 m=31
